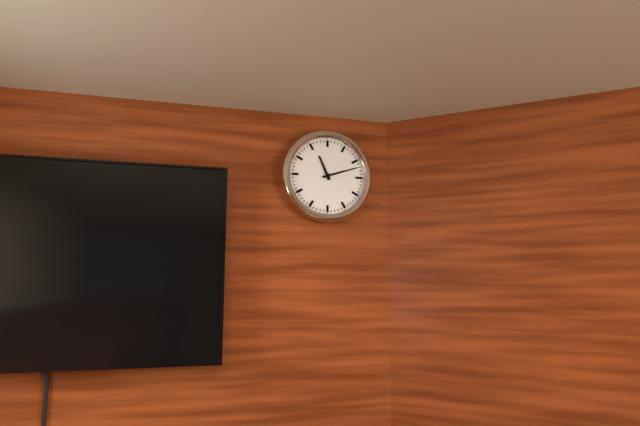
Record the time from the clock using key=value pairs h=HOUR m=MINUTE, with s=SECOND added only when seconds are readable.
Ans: h=11 m=12
